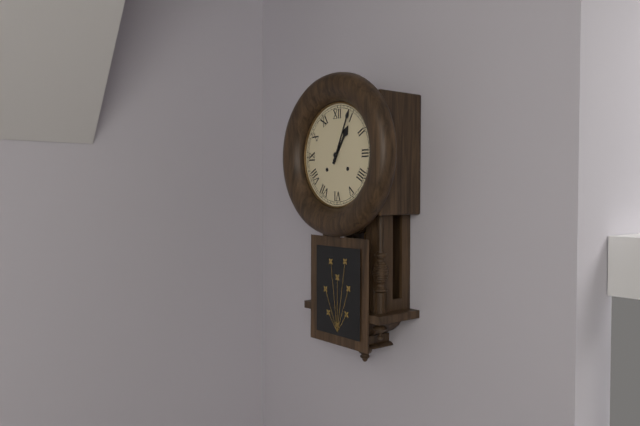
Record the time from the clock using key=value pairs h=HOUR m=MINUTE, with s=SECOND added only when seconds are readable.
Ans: h=1 m=4
